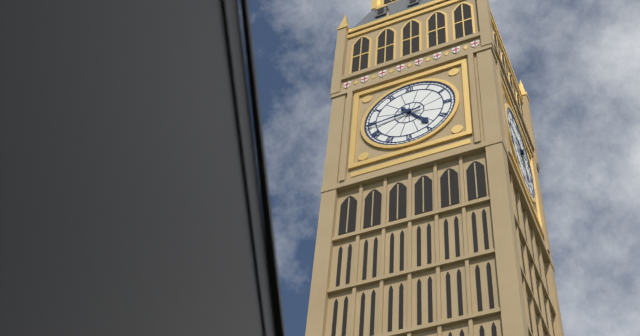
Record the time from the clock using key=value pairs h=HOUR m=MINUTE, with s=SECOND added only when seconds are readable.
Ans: h=4 m=44
